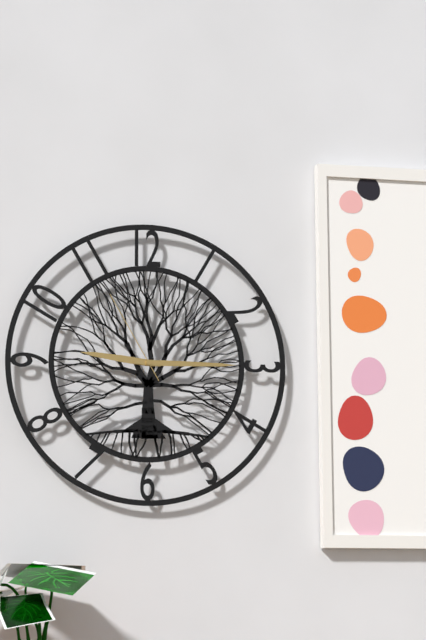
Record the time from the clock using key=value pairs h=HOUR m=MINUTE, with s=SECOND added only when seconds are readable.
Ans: h=9 m=15 s=55
